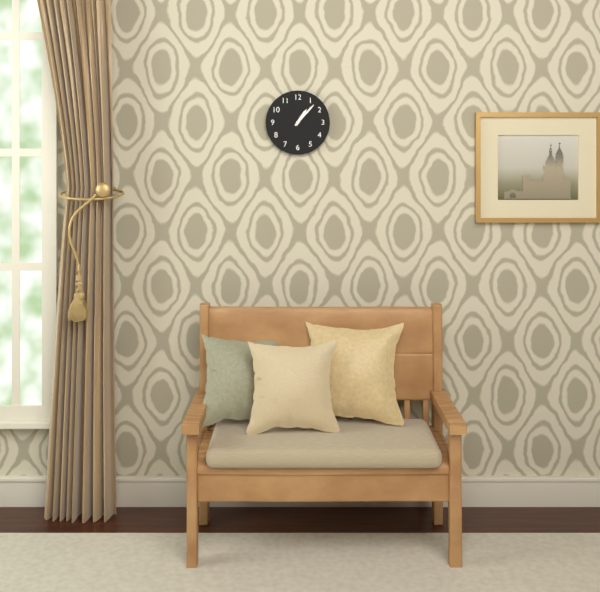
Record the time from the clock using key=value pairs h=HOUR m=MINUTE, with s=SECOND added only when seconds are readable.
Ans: h=1 m=7
